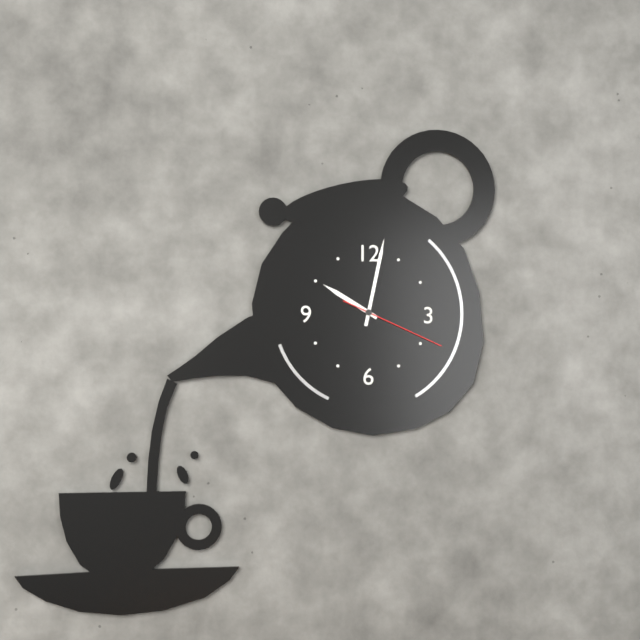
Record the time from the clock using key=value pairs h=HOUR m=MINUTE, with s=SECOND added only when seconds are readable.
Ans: h=10 m=2 s=19
